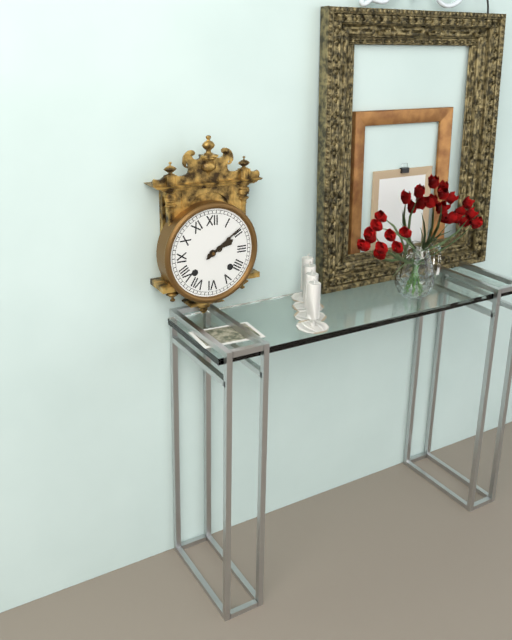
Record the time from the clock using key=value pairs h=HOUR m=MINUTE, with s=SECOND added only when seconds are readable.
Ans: h=2 m=9
